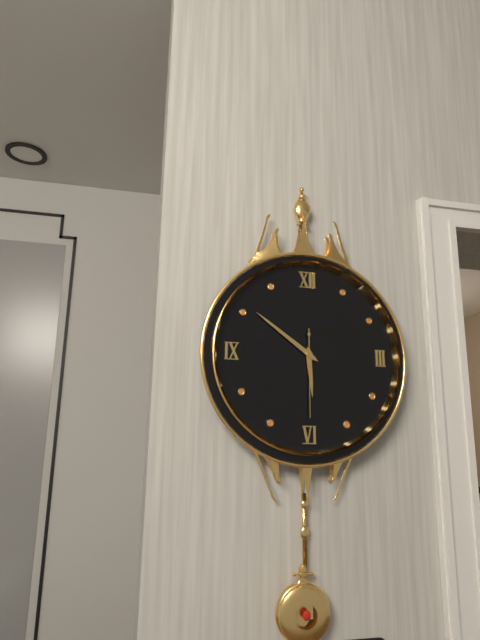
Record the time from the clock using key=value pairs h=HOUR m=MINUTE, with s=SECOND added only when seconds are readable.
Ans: h=5 m=51 s=30
